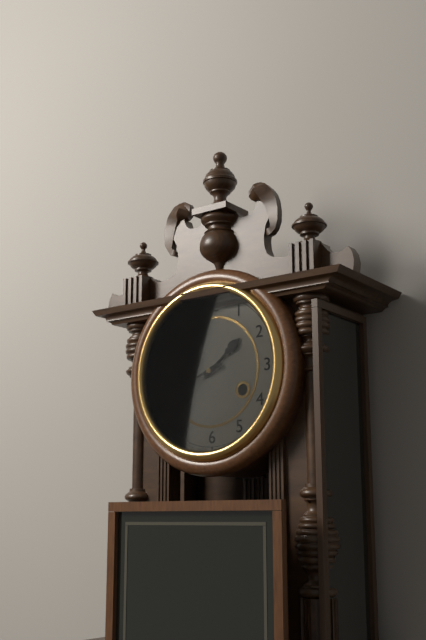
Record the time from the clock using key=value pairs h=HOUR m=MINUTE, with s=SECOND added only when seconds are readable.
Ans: h=1 m=42
